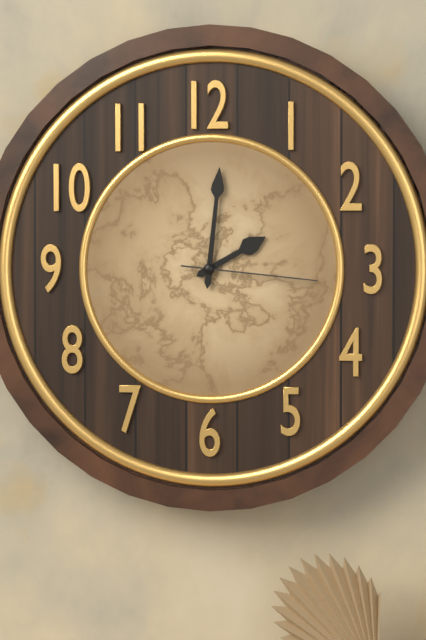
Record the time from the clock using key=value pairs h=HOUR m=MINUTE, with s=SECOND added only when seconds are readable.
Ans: h=2 m=1 s=16
